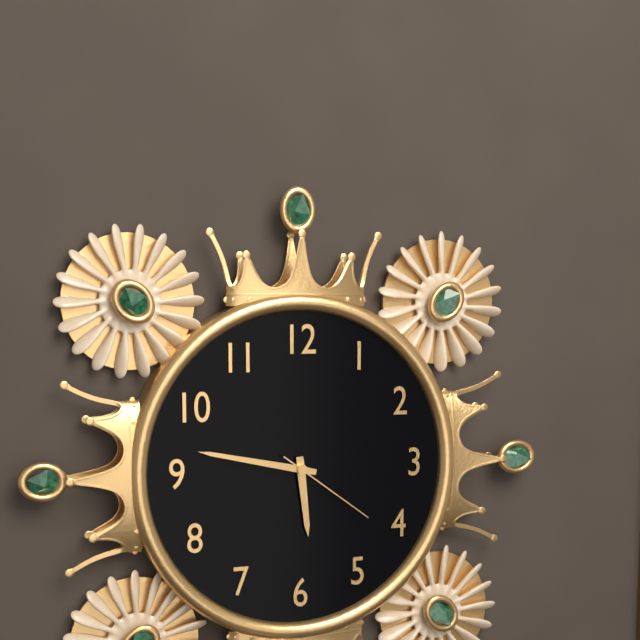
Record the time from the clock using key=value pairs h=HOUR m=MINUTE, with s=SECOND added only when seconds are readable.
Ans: h=5 m=47 s=21
